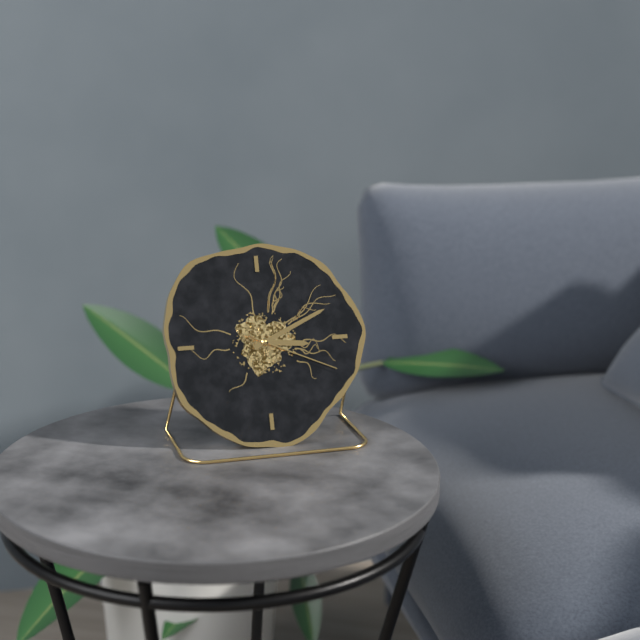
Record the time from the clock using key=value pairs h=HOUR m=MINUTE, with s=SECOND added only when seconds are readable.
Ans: h=3 m=11 s=19
